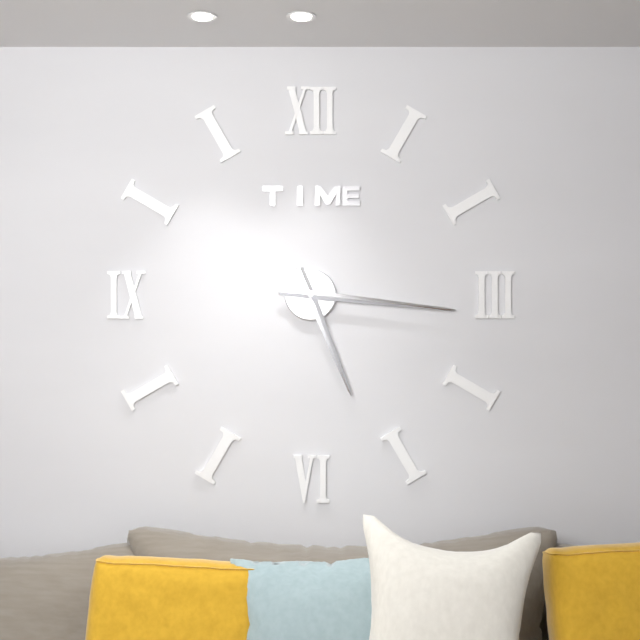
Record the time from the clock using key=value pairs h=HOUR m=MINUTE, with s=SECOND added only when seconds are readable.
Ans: h=5 m=16
